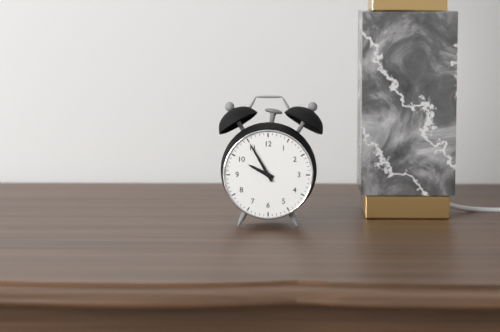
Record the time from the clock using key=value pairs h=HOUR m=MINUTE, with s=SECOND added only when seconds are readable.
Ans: h=9 m=55
